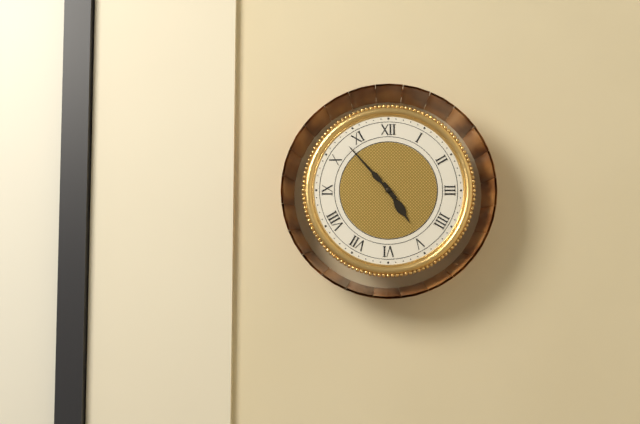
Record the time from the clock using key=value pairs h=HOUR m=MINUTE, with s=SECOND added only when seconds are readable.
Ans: h=4 m=53
